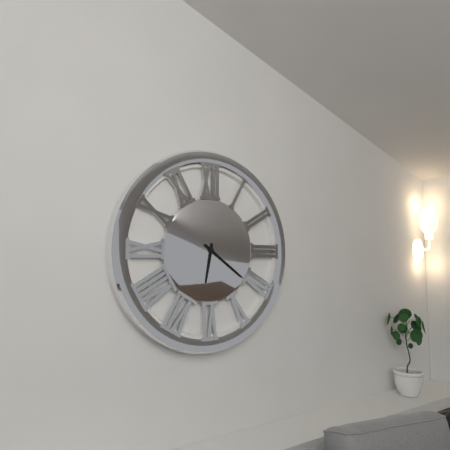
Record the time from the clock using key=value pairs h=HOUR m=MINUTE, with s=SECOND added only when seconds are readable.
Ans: h=6 m=21
